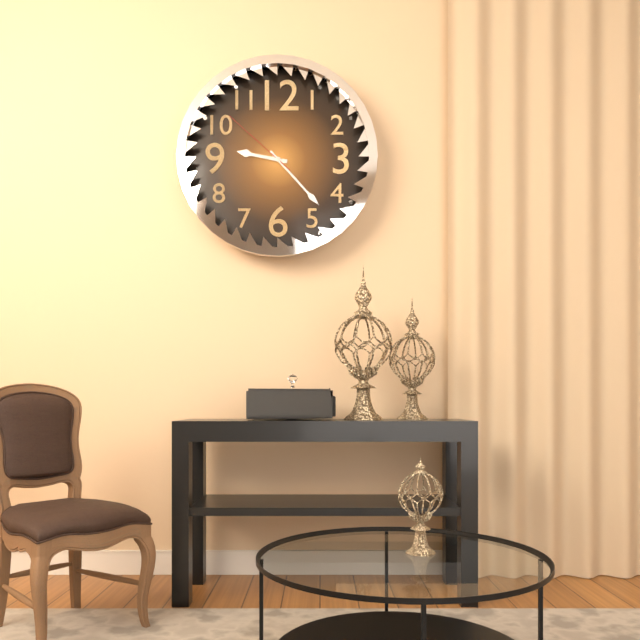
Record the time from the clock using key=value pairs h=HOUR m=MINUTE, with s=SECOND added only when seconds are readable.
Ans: h=9 m=23 s=52
